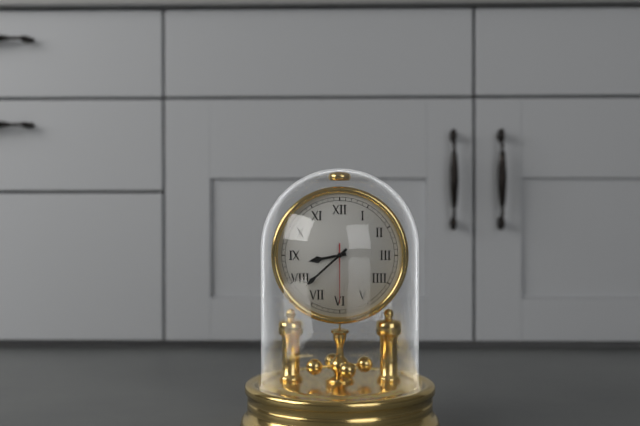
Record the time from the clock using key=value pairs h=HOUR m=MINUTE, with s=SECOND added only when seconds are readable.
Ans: h=8 m=38 s=30
